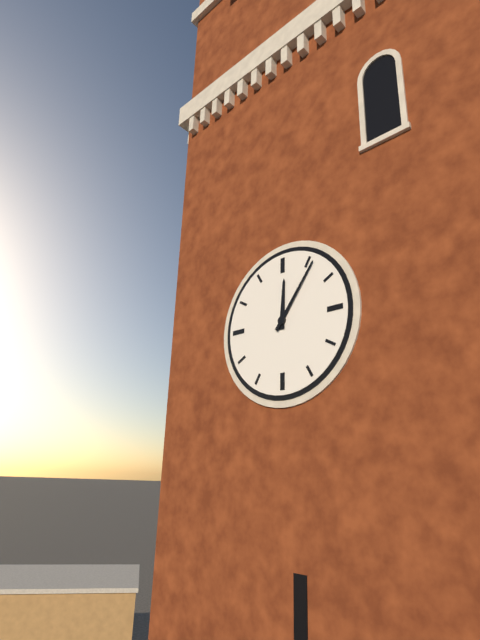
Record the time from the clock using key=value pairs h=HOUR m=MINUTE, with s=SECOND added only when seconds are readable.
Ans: h=12 m=6
